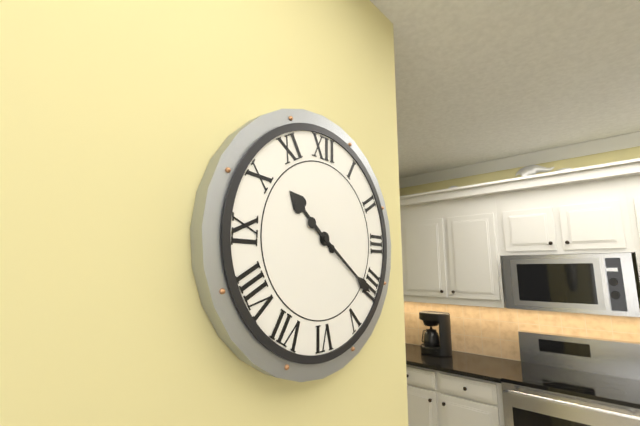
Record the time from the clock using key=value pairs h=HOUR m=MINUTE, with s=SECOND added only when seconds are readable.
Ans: h=10 m=21
